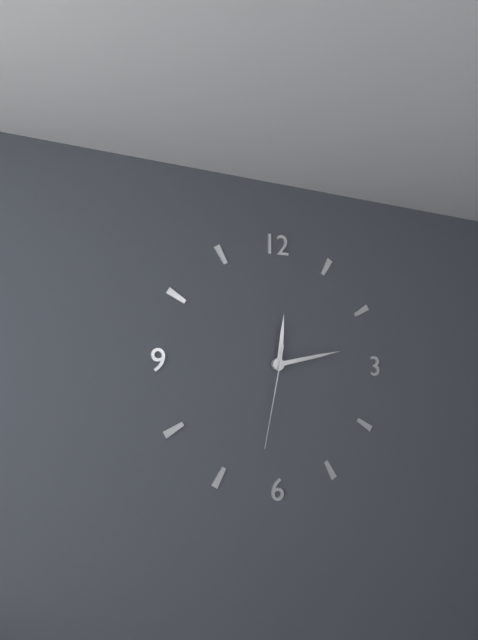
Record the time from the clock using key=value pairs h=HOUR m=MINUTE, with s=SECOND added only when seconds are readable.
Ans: h=12 m=13 s=32
